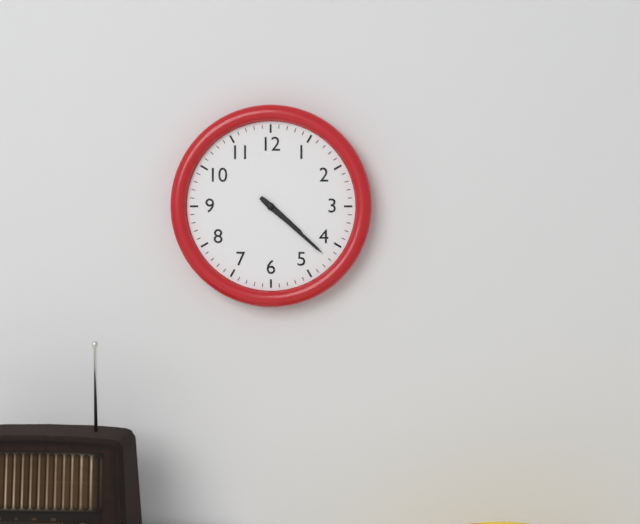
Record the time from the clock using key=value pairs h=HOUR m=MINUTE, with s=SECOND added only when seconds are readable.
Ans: h=4 m=22
